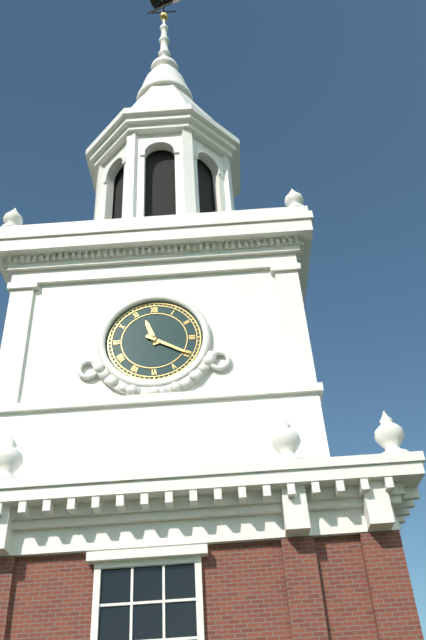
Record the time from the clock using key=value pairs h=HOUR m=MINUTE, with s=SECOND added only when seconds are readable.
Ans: h=11 m=20
